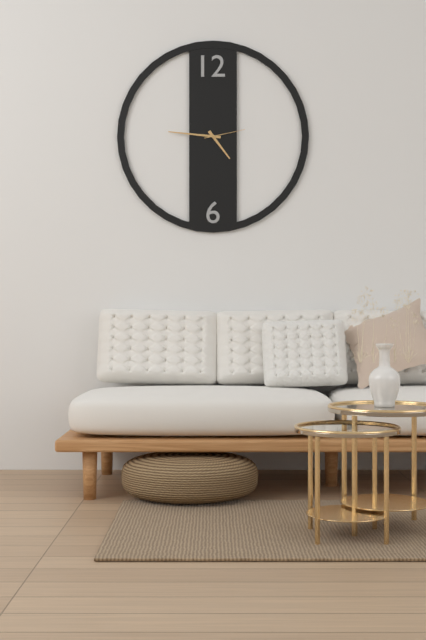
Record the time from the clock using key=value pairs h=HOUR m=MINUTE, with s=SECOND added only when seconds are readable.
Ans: h=4 m=46
